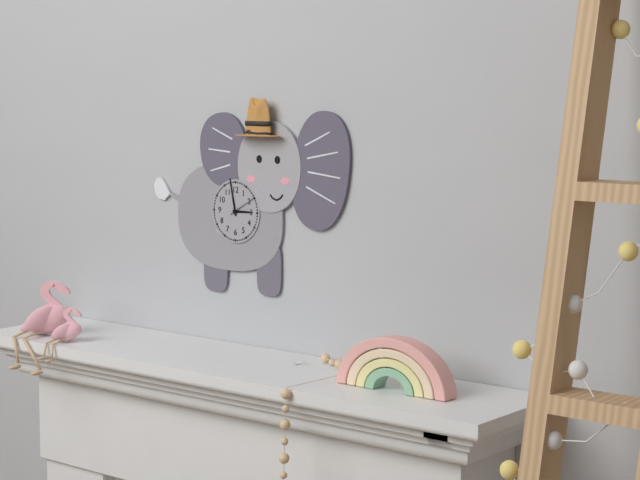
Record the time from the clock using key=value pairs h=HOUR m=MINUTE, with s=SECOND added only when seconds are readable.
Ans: h=2 m=58
